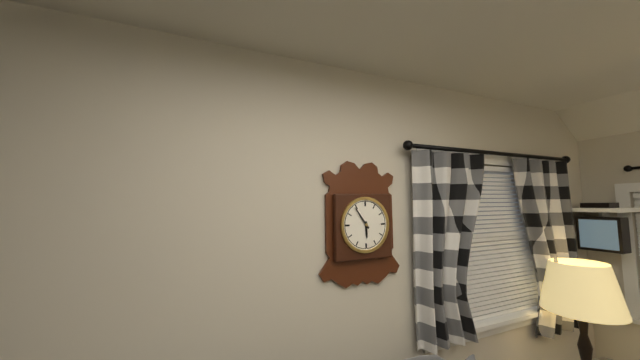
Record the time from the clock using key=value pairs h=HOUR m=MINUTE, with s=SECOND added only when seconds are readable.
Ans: h=5 m=54
